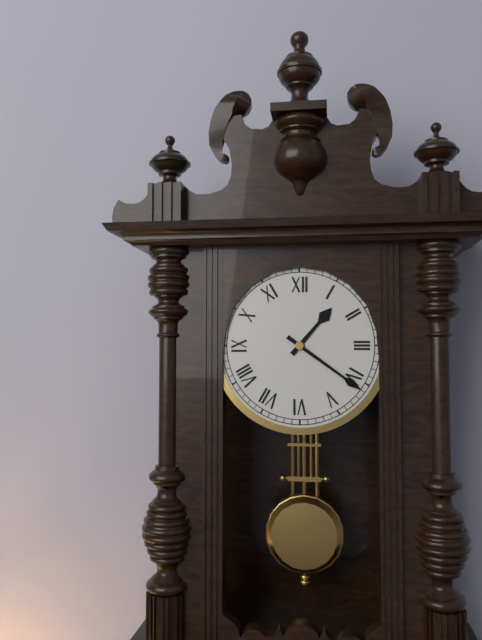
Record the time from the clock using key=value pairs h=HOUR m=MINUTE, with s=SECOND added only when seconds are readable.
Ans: h=1 m=21
